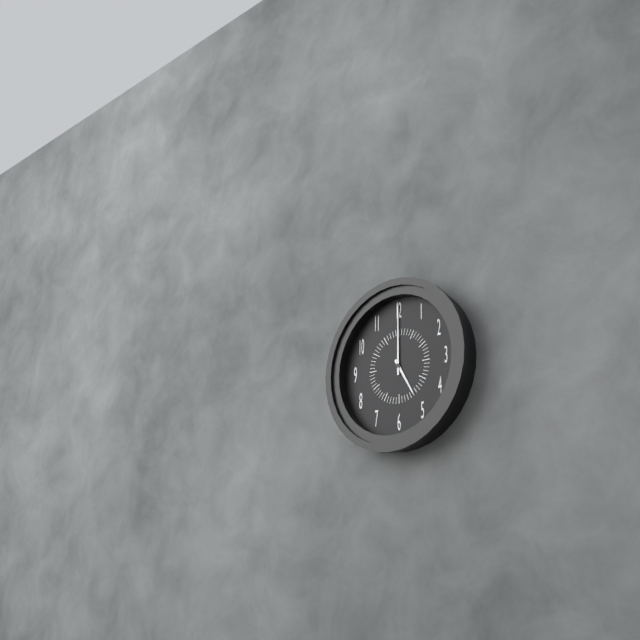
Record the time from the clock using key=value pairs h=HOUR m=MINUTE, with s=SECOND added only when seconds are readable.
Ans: h=5 m=0
